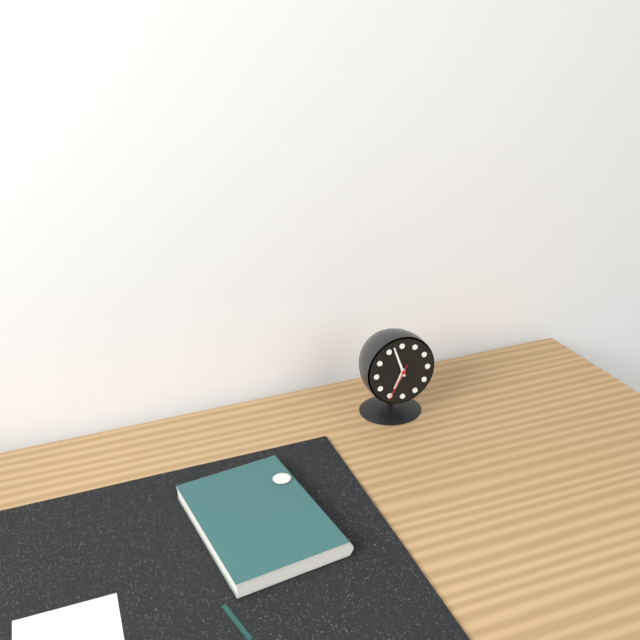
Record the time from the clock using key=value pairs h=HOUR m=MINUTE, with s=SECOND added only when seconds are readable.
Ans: h=6 m=57
